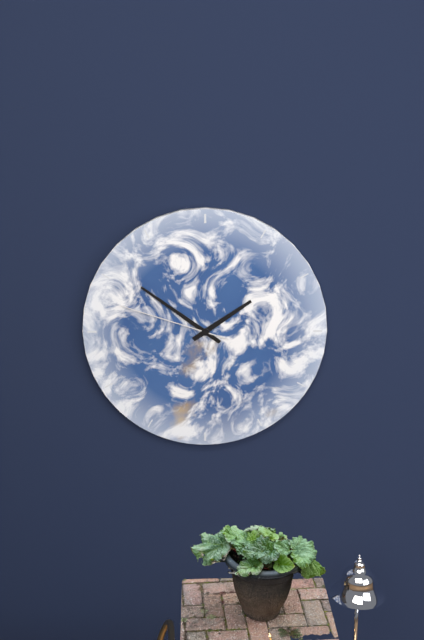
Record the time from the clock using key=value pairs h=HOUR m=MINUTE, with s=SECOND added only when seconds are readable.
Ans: h=1 m=51 s=48
